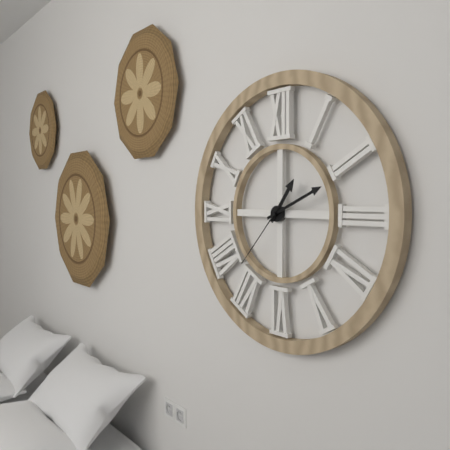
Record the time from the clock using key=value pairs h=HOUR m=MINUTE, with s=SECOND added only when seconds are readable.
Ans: h=1 m=11 s=37
